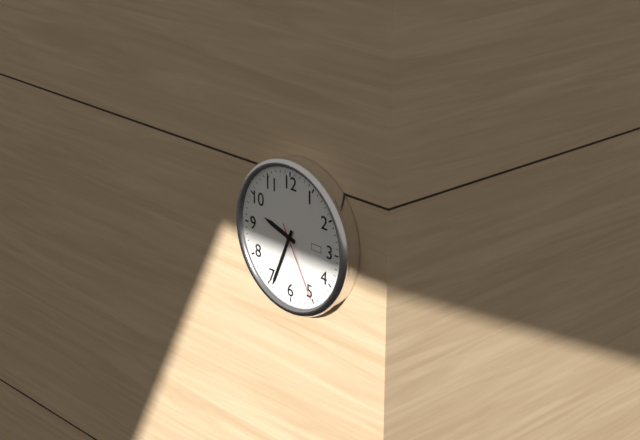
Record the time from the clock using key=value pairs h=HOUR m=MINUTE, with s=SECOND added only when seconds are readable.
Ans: h=9 m=34 s=25
